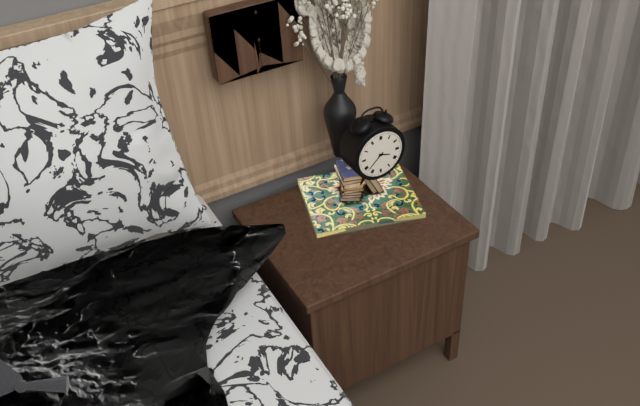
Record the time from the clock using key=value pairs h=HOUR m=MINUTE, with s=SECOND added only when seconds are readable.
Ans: h=3 m=38
